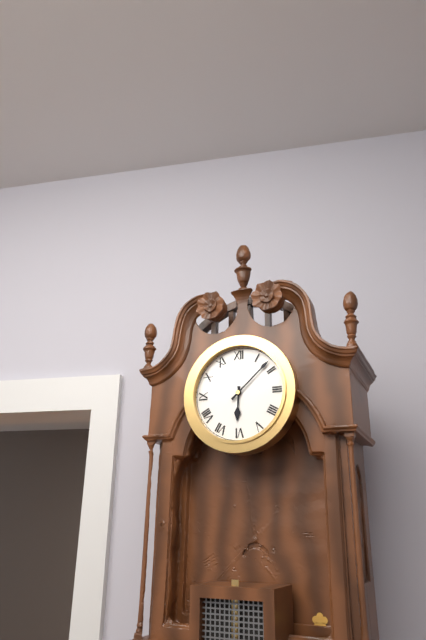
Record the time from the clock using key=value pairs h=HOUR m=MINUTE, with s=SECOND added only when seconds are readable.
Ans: h=6 m=8
